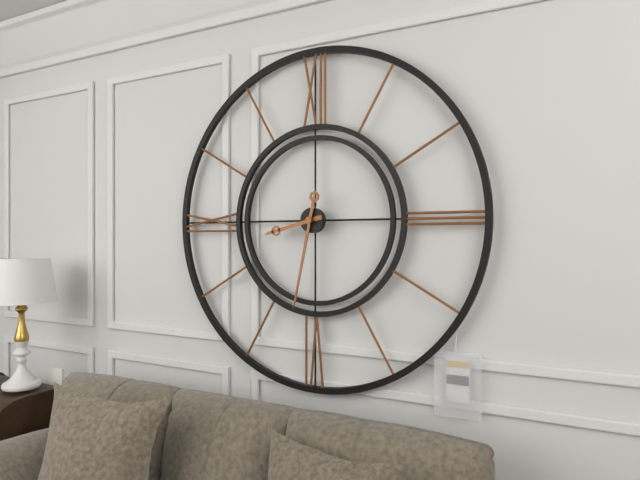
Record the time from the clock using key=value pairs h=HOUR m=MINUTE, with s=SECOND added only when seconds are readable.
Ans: h=8 m=32
